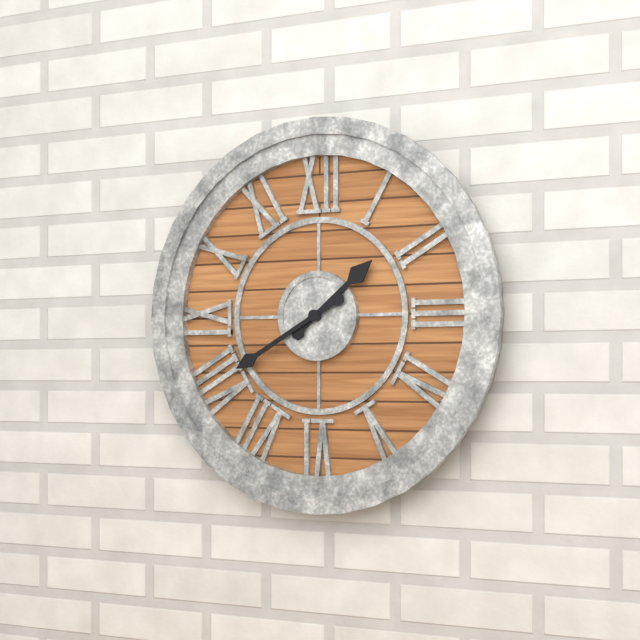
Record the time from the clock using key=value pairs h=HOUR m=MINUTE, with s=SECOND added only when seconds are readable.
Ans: h=1 m=40
